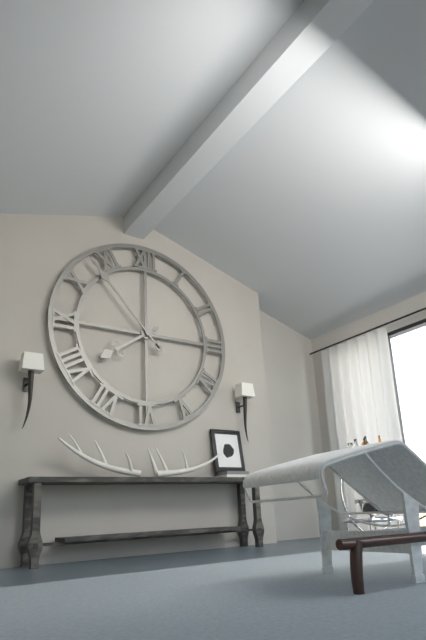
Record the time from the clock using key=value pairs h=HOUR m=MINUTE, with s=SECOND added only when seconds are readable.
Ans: h=7 m=53
